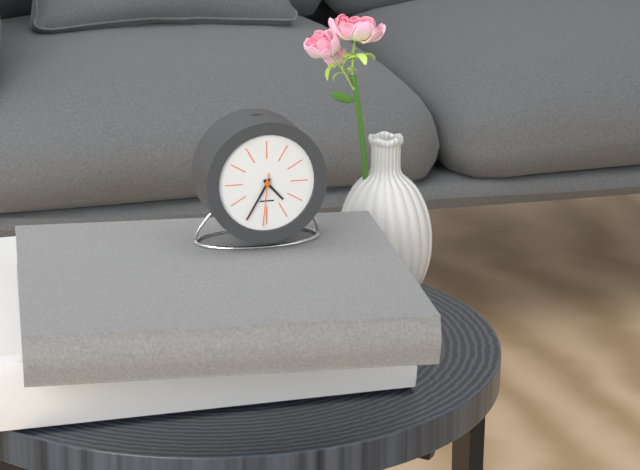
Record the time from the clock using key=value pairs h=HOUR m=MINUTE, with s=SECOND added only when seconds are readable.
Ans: h=4 m=35 s=31
